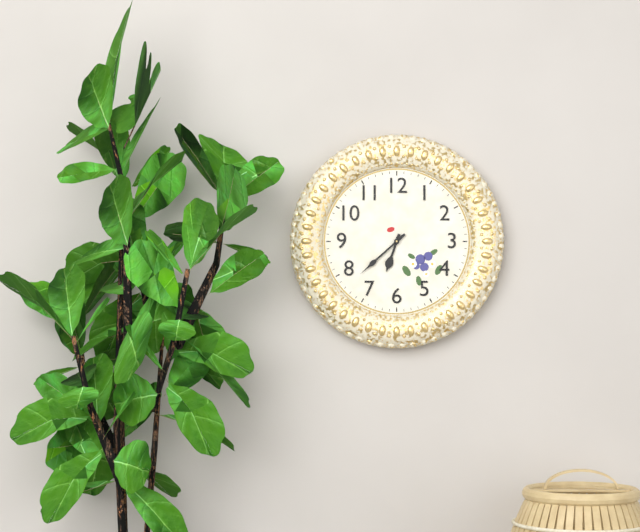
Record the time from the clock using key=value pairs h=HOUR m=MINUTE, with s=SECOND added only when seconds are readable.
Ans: h=6 m=38
